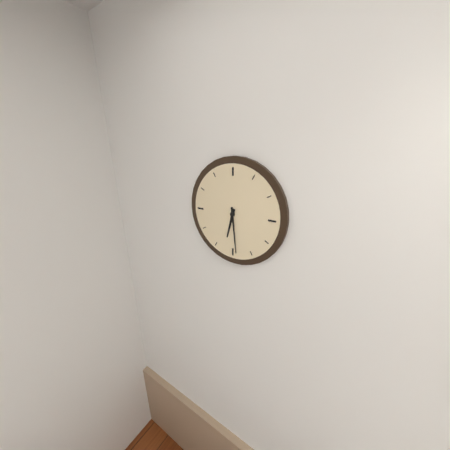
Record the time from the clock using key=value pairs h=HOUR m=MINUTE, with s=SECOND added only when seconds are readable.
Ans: h=6 m=29
